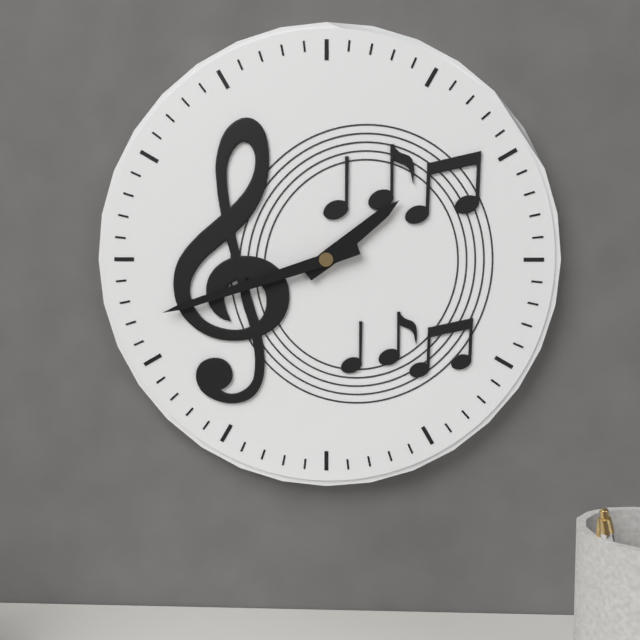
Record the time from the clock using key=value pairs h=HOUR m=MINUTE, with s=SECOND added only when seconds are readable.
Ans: h=1 m=42
